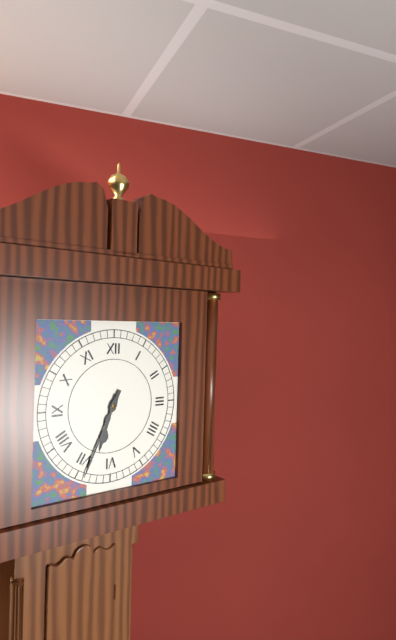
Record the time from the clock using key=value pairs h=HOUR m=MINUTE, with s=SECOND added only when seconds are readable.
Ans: h=6 m=34
